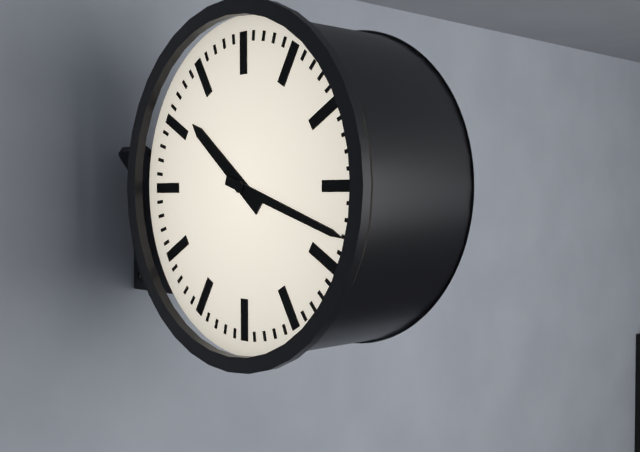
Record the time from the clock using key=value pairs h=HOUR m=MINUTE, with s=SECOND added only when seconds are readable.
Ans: h=10 m=18
